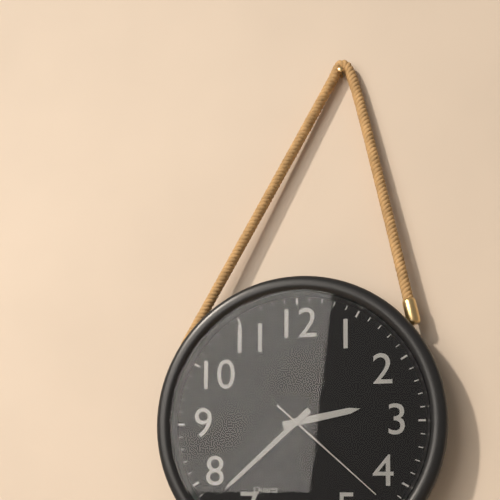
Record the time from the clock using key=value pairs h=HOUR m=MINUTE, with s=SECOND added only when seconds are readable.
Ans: h=2 m=38 s=22
